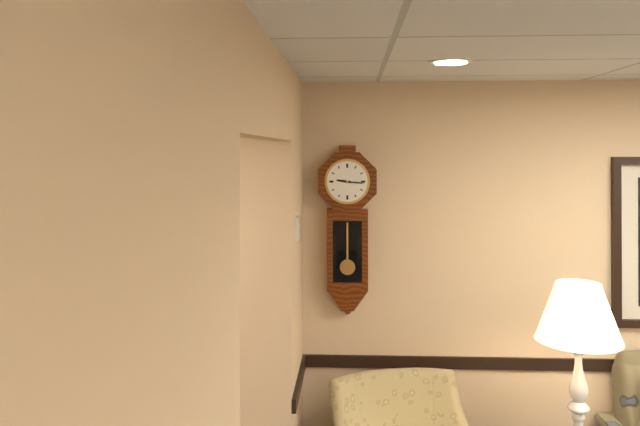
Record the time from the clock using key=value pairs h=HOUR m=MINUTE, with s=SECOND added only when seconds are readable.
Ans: h=9 m=16
